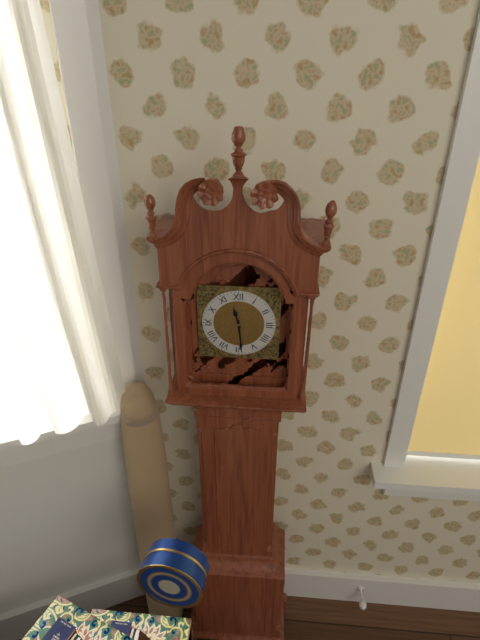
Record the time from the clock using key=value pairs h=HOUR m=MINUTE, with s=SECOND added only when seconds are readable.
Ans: h=11 m=29
